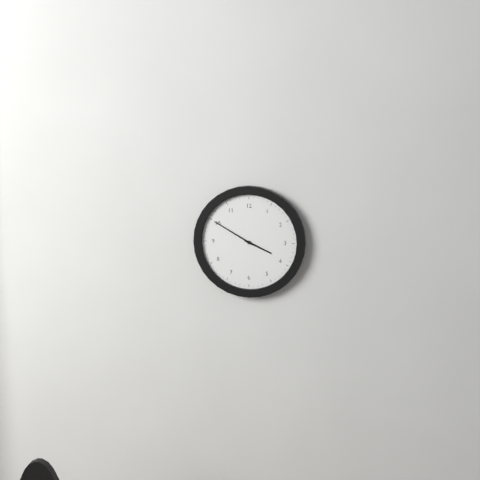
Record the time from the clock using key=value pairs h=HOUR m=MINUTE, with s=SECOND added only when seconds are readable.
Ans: h=3 m=50
